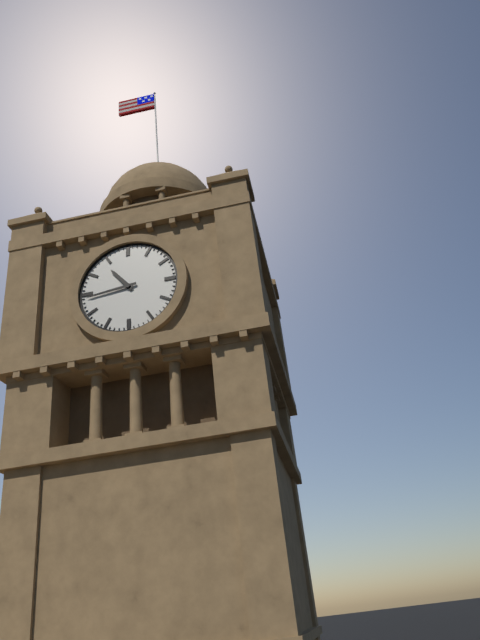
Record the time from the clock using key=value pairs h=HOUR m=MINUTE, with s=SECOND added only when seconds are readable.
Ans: h=10 m=44
